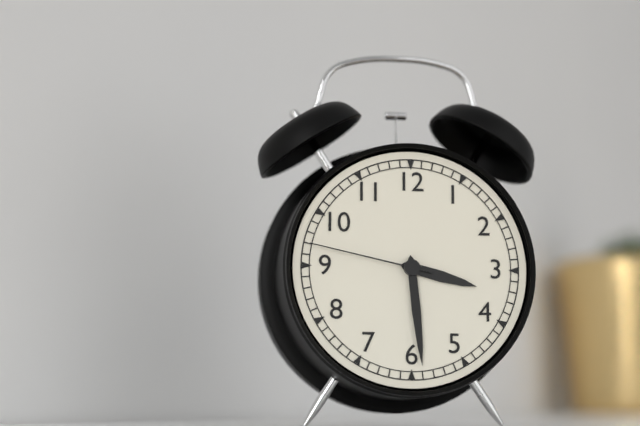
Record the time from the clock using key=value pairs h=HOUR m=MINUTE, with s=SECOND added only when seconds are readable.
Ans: h=3 m=29 s=47
